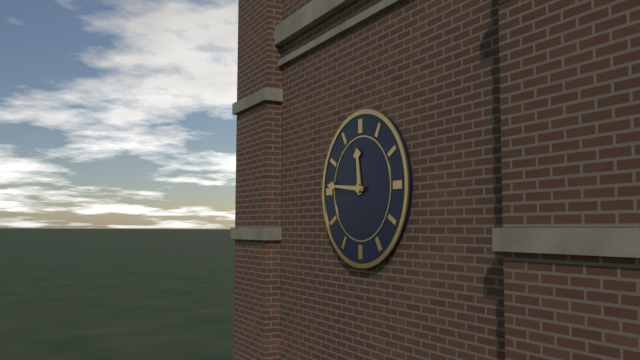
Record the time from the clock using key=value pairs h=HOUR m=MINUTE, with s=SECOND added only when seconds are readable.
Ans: h=11 m=46
